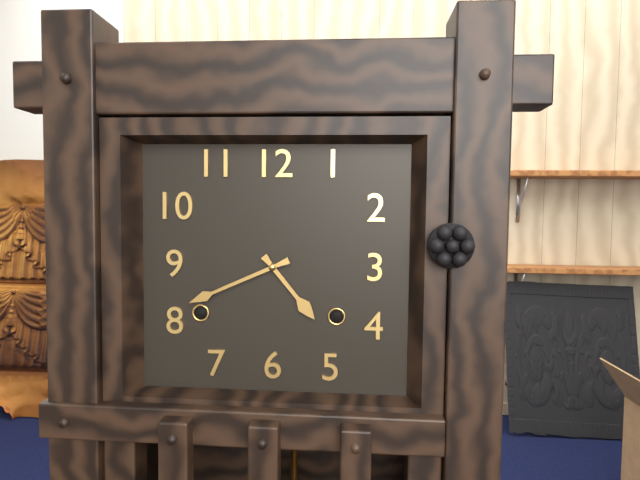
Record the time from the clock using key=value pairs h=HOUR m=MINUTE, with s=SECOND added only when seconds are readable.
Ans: h=4 m=41
